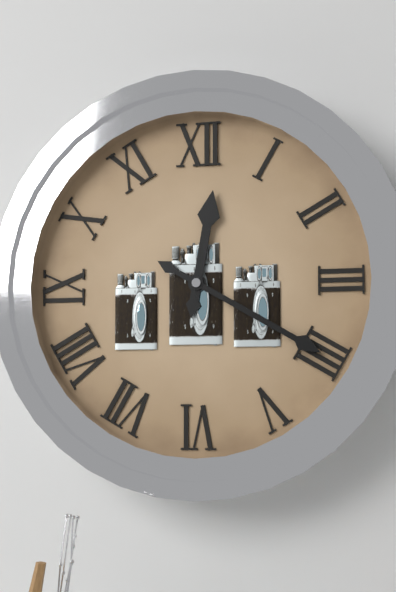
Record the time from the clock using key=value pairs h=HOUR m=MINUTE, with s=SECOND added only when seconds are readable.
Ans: h=12 m=20
